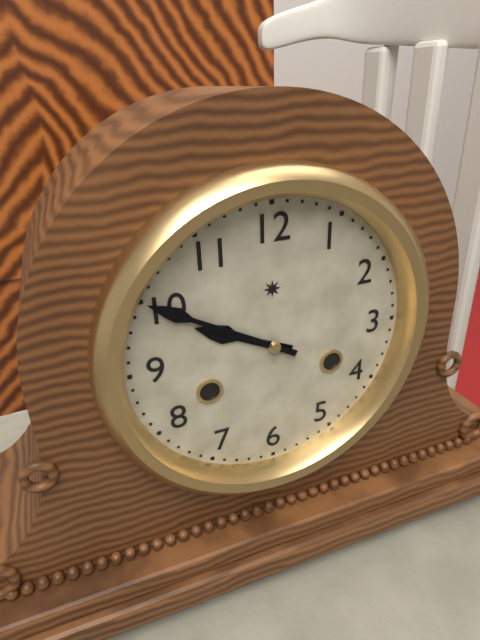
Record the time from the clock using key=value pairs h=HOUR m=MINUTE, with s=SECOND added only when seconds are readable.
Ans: h=9 m=50
